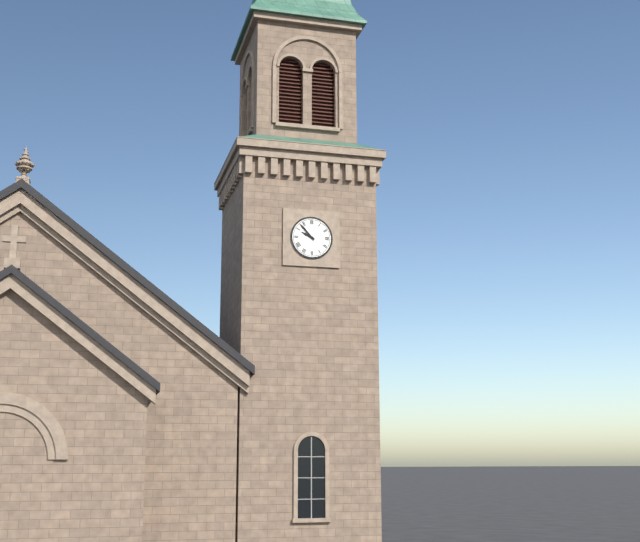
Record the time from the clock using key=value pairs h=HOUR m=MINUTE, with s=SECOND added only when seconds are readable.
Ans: h=9 m=53
